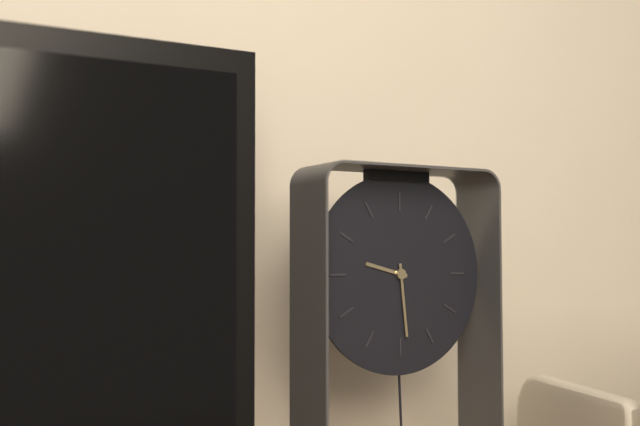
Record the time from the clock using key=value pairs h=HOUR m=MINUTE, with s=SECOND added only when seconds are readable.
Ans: h=9 m=29
